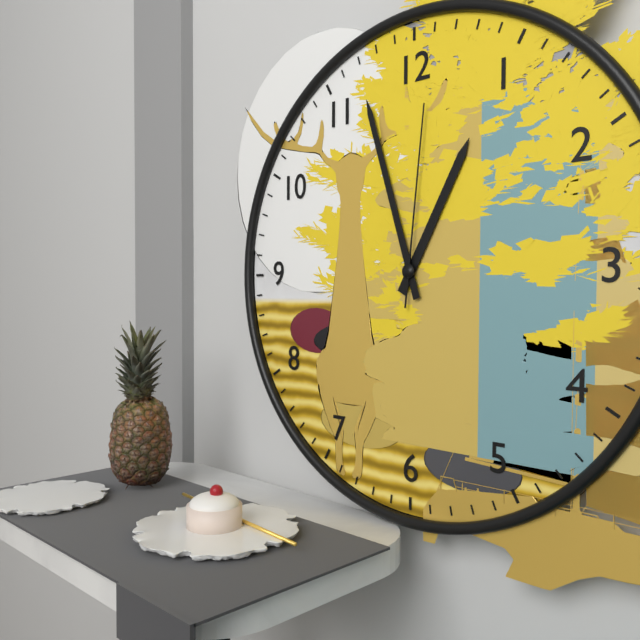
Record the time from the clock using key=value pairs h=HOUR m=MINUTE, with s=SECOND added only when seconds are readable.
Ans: h=12 m=57 s=1
